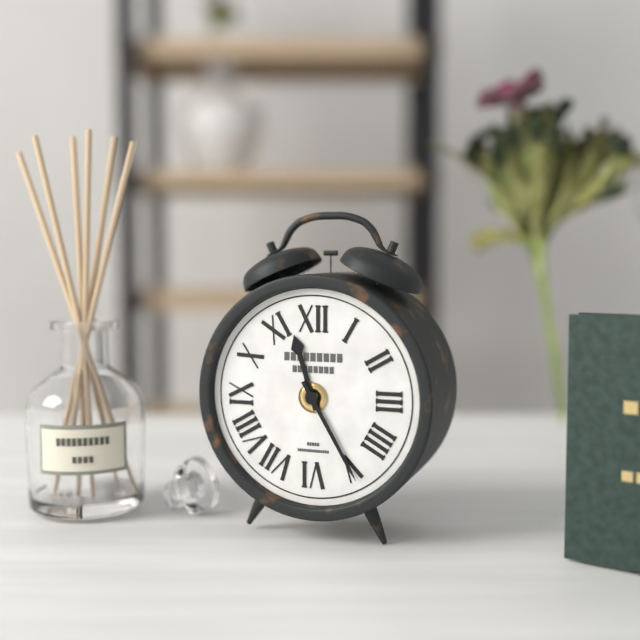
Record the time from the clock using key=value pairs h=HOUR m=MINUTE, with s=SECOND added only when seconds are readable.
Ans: h=11 m=25
